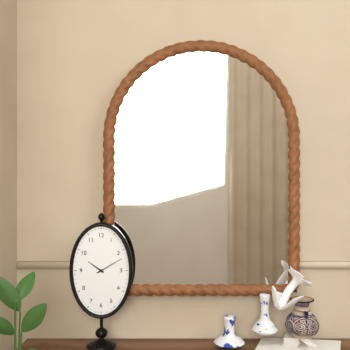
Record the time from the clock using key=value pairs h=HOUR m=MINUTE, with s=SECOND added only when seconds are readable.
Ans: h=10 m=10
